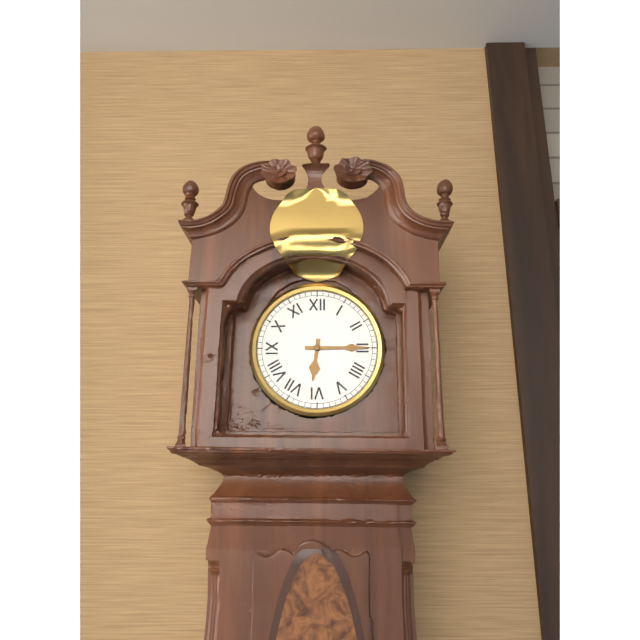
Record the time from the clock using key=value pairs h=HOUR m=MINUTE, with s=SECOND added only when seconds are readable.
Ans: h=6 m=15
